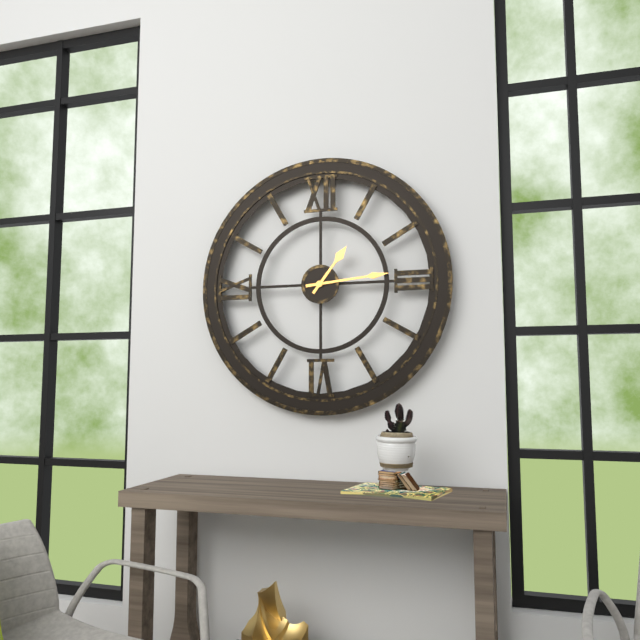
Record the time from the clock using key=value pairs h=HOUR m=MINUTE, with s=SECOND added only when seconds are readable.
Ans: h=1 m=14
